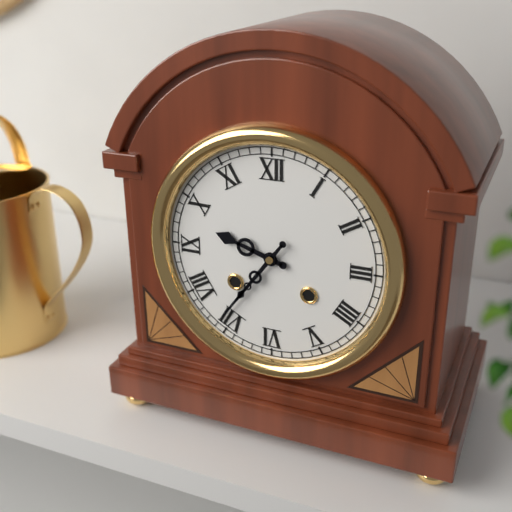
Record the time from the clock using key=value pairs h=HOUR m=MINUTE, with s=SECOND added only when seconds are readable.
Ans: h=9 m=36
